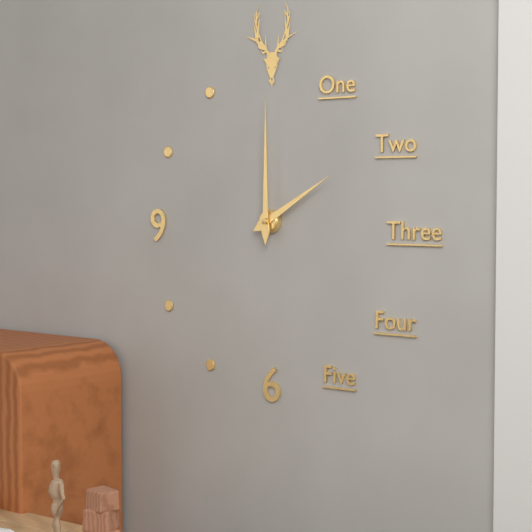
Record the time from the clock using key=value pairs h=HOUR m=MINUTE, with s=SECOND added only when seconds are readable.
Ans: h=2 m=0
